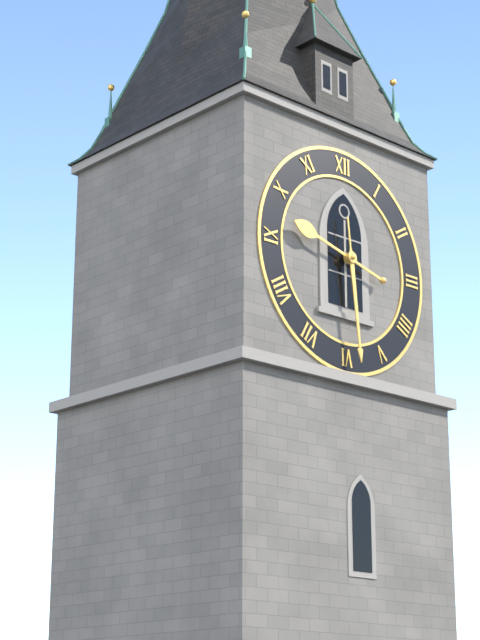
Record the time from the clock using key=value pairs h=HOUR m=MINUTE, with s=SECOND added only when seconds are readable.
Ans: h=9 m=29
